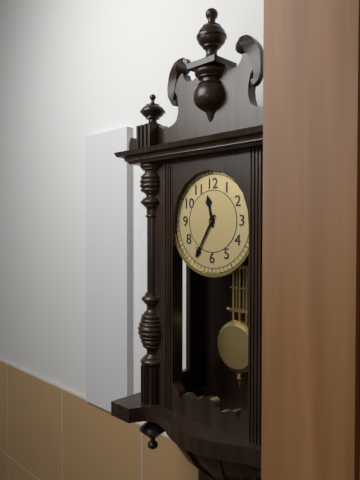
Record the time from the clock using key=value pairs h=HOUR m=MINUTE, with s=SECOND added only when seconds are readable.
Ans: h=11 m=35
